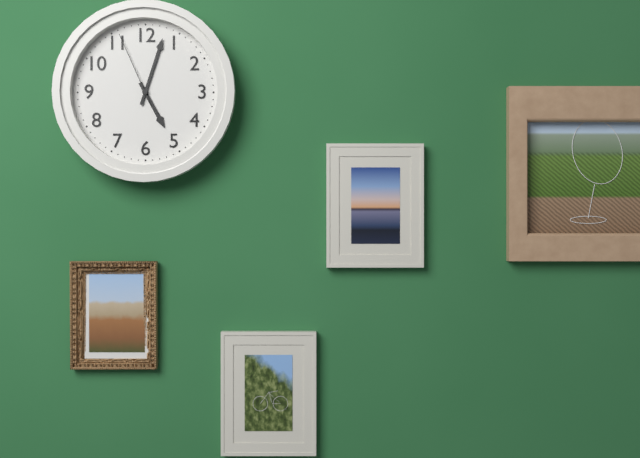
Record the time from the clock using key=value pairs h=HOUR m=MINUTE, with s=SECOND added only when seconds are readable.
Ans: h=5 m=3 s=56
